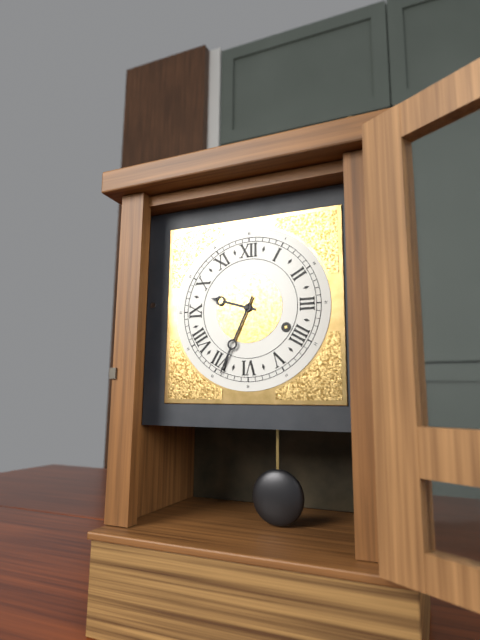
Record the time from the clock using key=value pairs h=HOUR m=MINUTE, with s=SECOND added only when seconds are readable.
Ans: h=9 m=34
